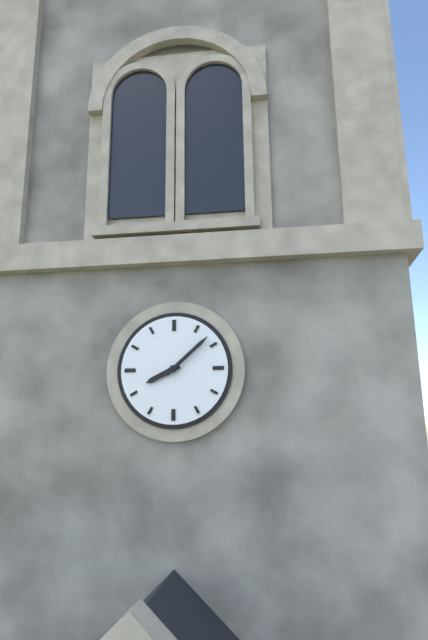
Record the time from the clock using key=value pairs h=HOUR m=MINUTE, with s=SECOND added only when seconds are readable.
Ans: h=8 m=8
